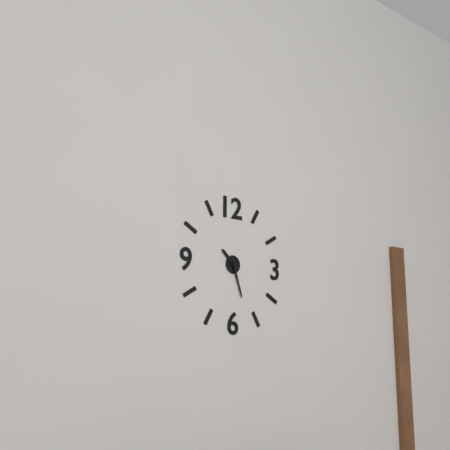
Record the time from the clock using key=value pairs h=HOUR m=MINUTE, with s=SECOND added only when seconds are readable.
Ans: h=10 m=27
